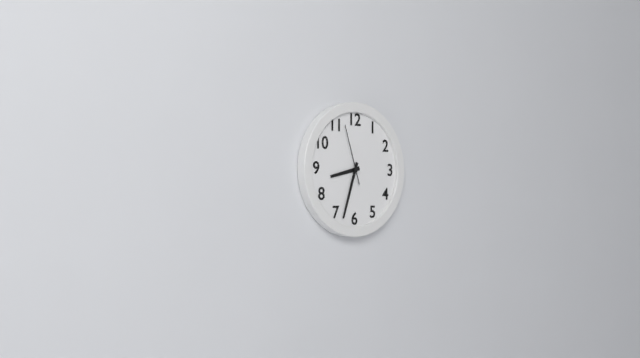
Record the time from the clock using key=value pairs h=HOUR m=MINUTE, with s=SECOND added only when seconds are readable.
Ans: h=8 m=33 s=57
